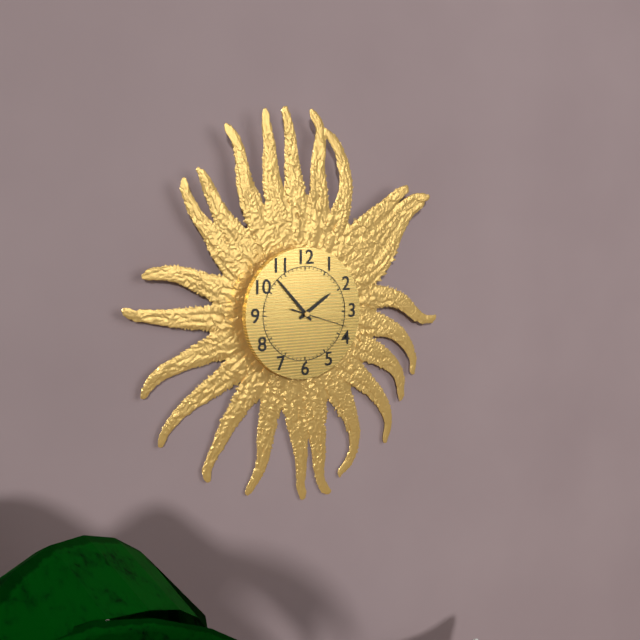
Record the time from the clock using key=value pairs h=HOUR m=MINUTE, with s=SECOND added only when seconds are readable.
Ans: h=1 m=53 s=18
